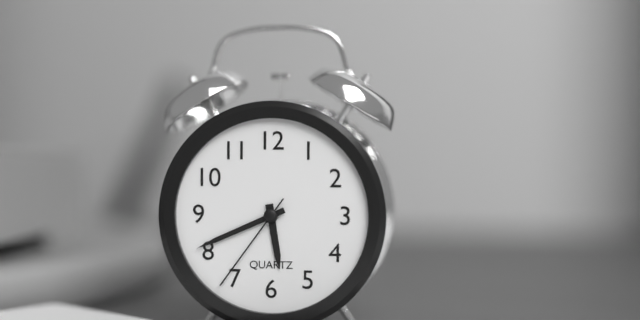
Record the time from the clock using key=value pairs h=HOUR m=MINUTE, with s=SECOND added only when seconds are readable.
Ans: h=5 m=41 s=36
